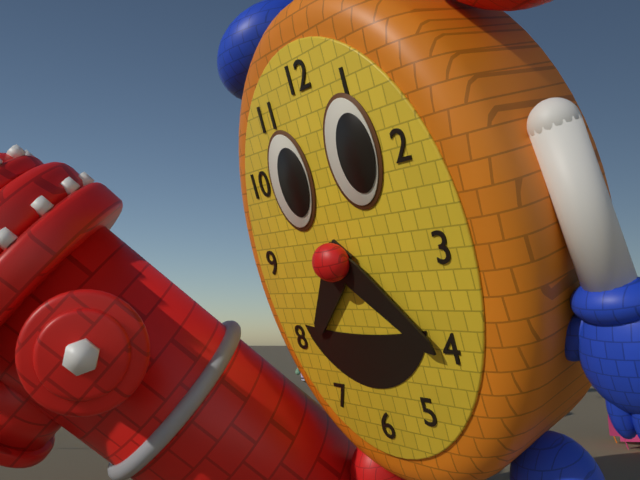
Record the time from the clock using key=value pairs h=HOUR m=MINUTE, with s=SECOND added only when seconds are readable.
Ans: h=7 m=22
